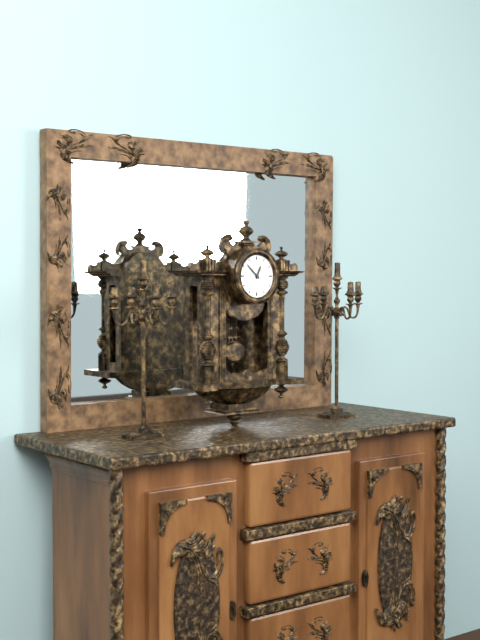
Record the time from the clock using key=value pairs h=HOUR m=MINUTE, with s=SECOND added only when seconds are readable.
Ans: h=12 m=52
